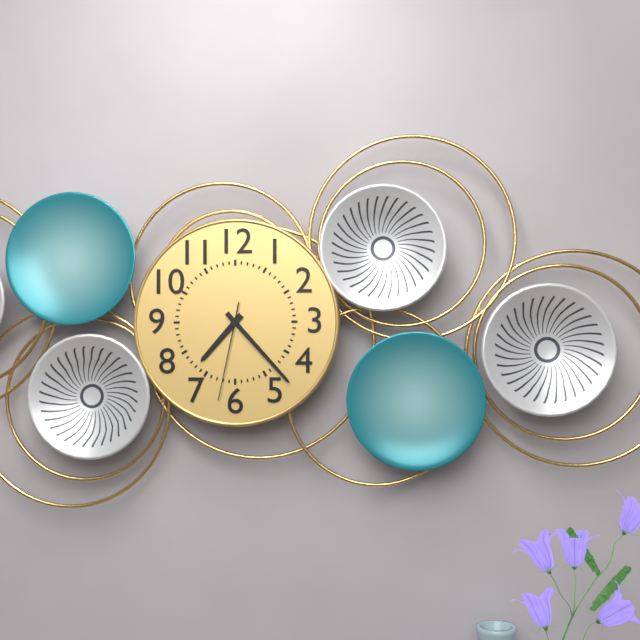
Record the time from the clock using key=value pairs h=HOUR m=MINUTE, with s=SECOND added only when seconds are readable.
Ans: h=7 m=23 s=32
